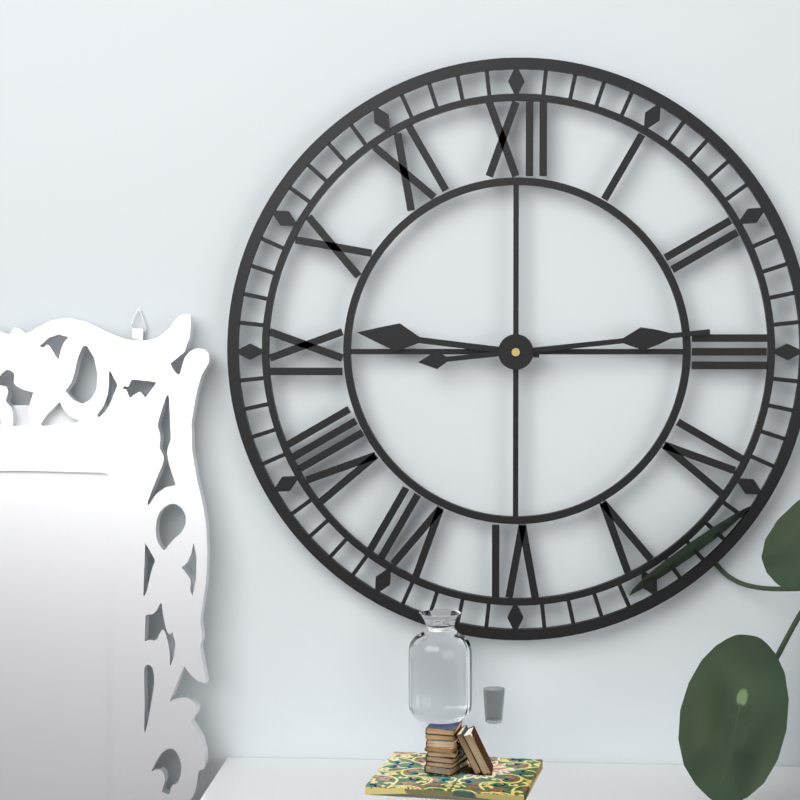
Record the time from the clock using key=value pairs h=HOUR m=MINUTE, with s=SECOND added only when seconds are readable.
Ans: h=9 m=14
